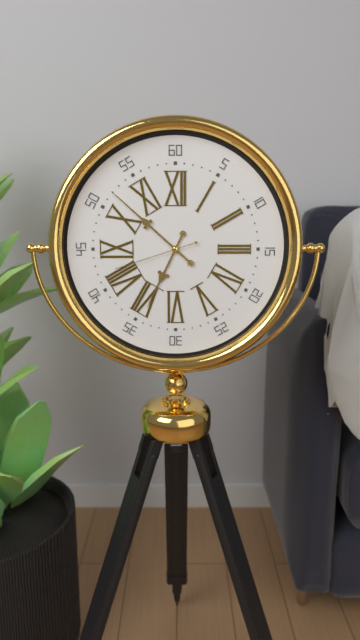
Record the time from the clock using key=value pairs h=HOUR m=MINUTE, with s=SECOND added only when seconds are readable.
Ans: h=6 m=52 s=42
